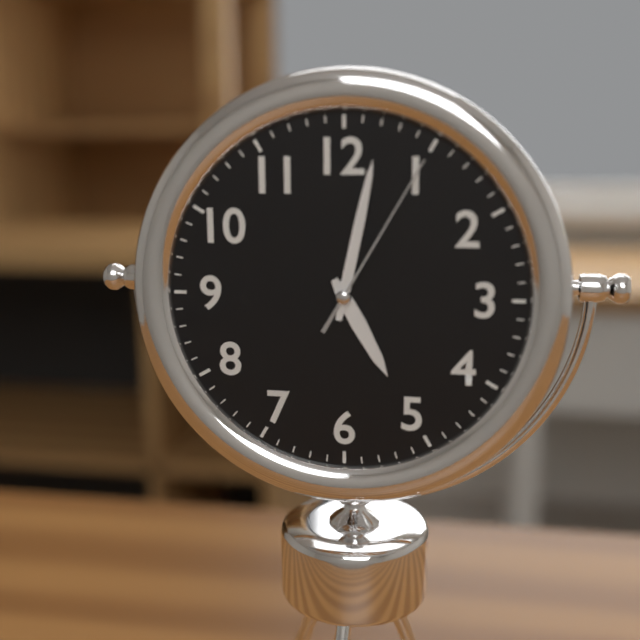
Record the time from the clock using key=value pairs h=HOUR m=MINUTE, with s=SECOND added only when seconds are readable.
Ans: h=5 m=2 s=5
